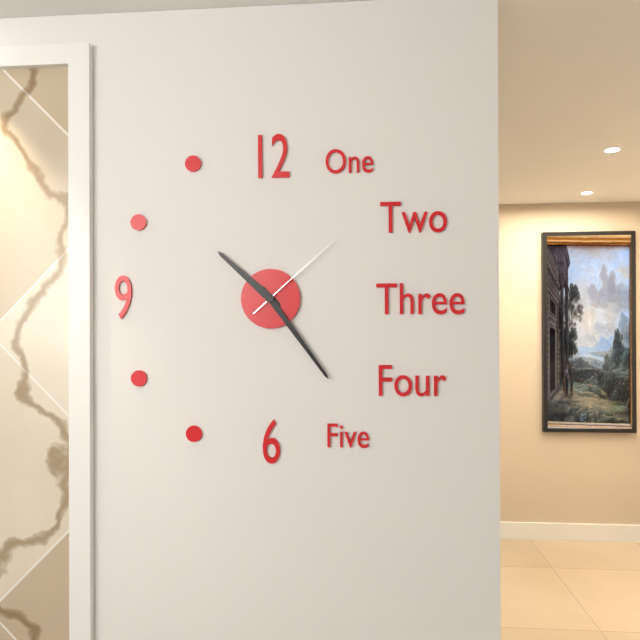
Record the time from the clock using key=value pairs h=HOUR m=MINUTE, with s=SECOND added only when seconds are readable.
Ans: h=10 m=24 s=8
